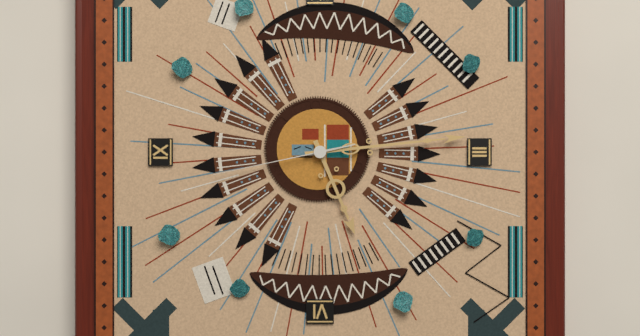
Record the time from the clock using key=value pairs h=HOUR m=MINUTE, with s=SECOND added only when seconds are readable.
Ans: h=5 m=14 s=43
